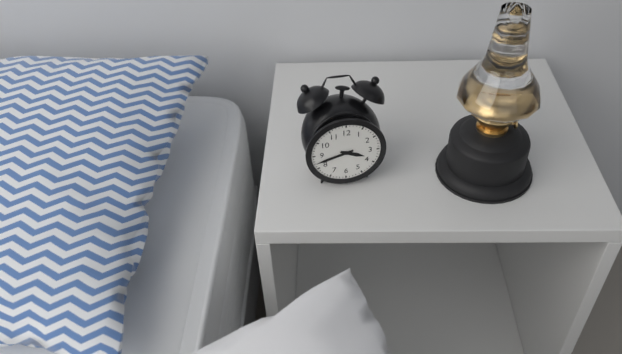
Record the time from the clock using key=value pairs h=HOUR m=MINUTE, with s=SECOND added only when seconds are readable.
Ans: h=3 m=42
